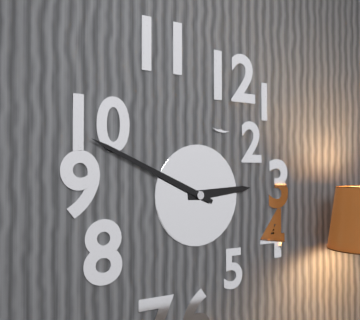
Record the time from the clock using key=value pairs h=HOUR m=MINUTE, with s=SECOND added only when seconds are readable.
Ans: h=2 m=49
